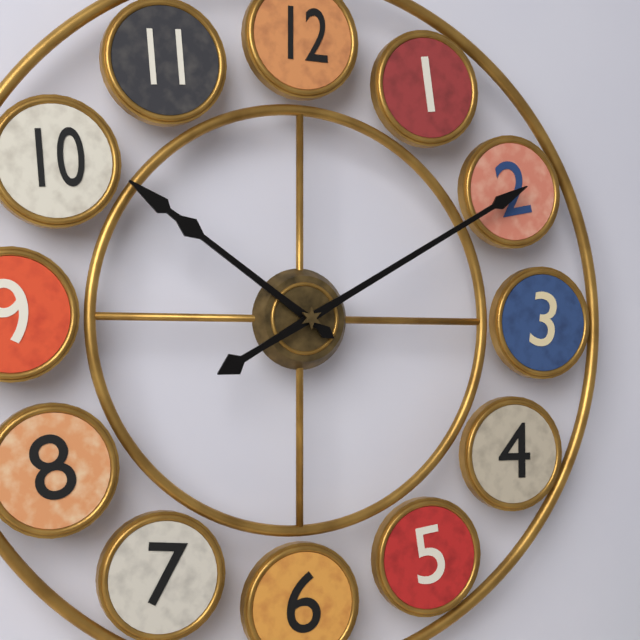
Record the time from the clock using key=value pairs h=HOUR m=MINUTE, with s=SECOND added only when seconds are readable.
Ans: h=10 m=10
